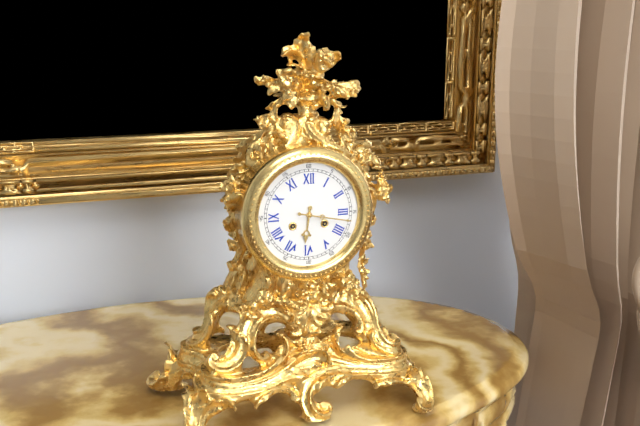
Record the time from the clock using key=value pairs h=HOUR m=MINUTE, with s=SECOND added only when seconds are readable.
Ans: h=6 m=17
